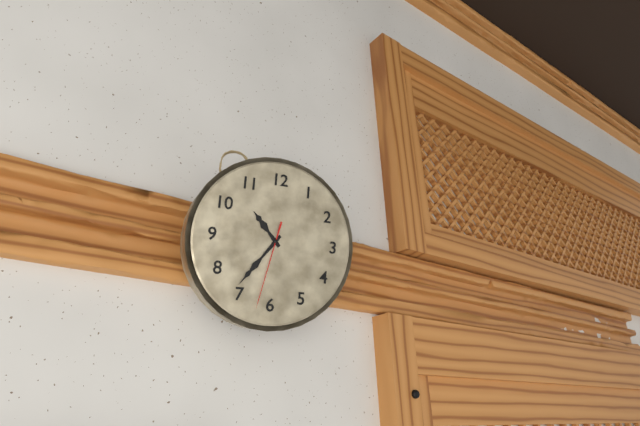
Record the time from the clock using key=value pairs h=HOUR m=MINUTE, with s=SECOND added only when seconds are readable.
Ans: h=10 m=36 s=32
